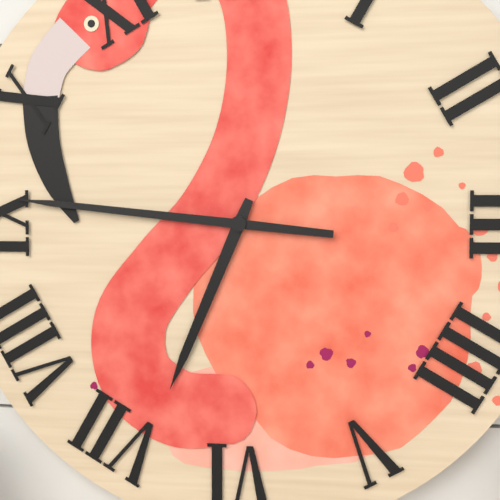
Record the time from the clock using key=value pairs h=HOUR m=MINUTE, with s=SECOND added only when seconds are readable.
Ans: h=6 m=46
